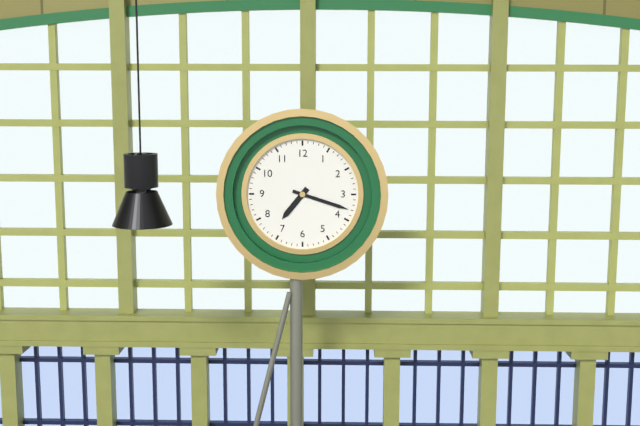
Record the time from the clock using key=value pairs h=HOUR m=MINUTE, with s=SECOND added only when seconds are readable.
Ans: h=7 m=18
